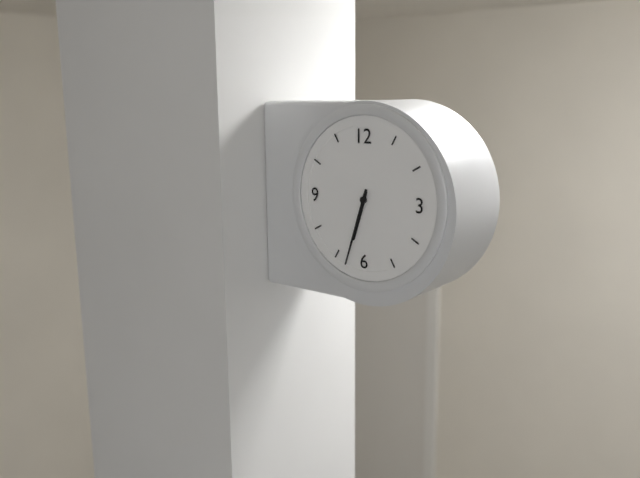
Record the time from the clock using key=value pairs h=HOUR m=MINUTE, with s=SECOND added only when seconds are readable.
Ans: h=6 m=33
